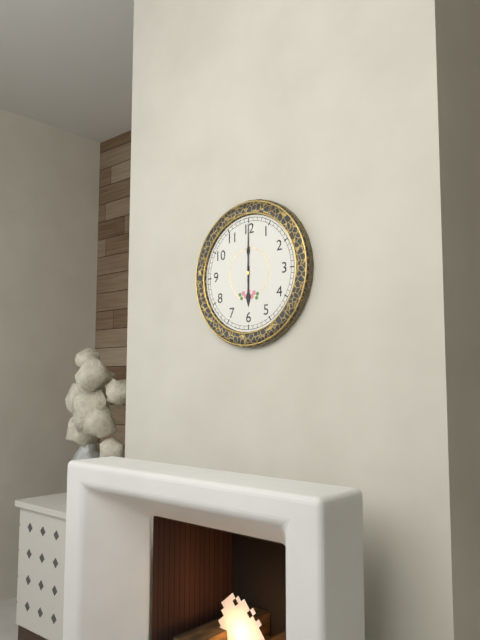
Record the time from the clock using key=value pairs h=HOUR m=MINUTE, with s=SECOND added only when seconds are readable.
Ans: h=6 m=0
